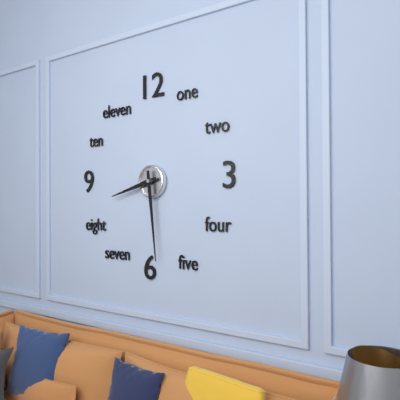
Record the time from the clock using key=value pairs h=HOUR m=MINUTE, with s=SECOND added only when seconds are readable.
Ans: h=8 m=29
